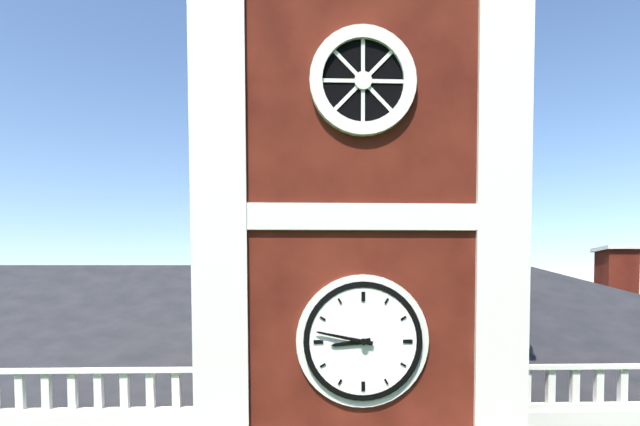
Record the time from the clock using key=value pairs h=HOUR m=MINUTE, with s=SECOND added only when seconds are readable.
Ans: h=8 m=47
